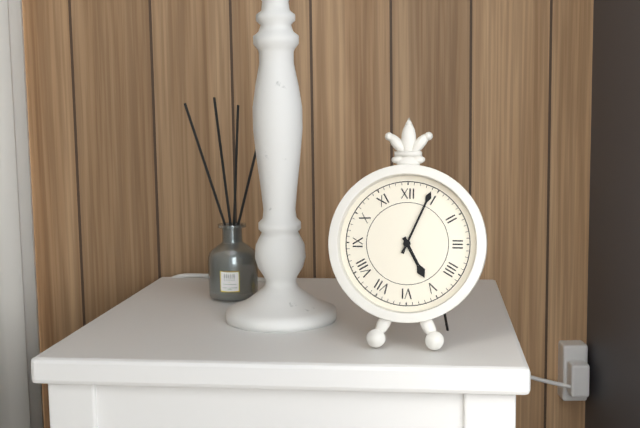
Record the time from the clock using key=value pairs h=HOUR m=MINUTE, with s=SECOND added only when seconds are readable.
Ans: h=5 m=4
